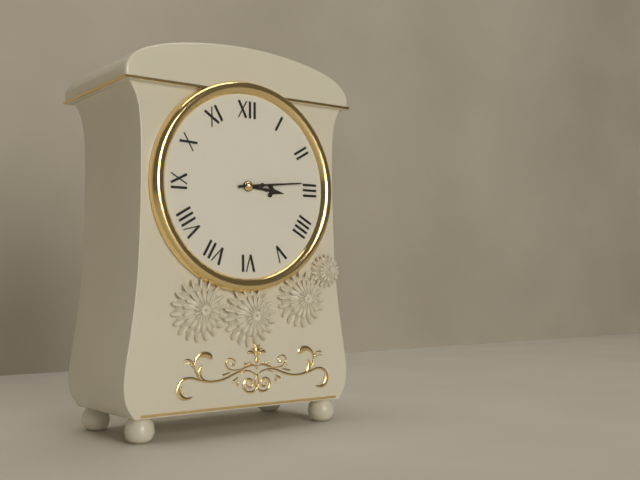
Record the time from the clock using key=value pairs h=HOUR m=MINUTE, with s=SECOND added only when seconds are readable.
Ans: h=3 m=14
